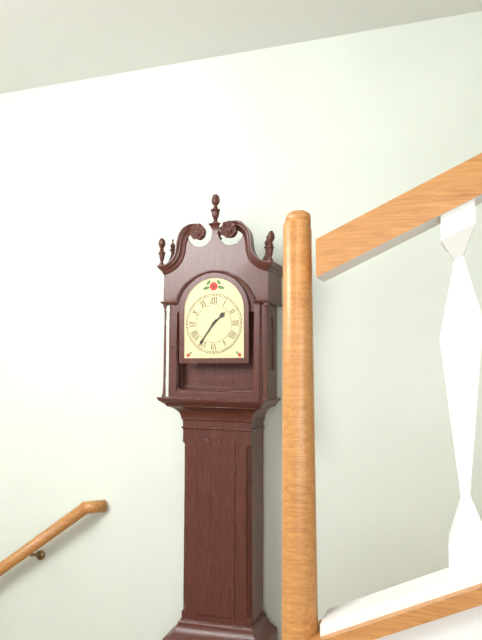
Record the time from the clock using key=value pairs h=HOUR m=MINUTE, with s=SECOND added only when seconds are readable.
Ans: h=1 m=36
